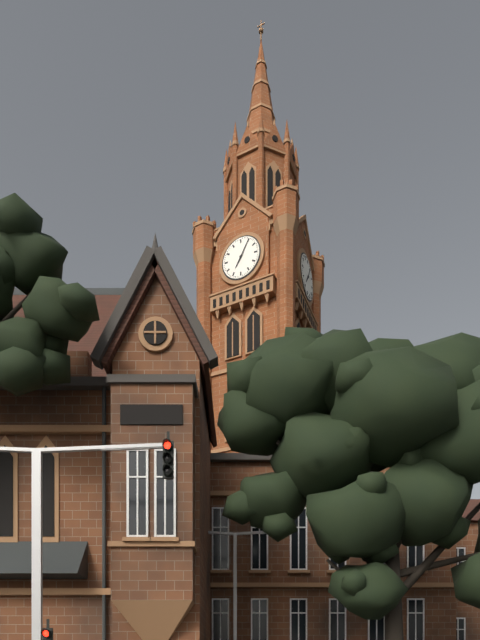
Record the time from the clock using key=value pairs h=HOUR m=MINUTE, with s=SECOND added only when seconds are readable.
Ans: h=7 m=5
